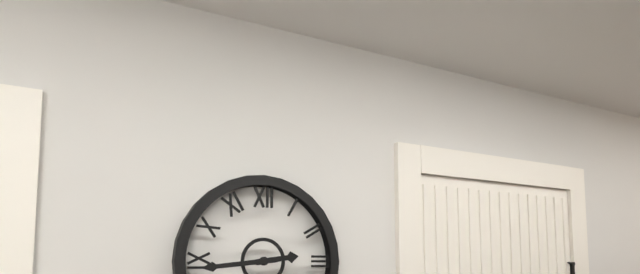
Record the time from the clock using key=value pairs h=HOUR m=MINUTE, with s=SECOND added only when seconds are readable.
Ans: h=2 m=44
